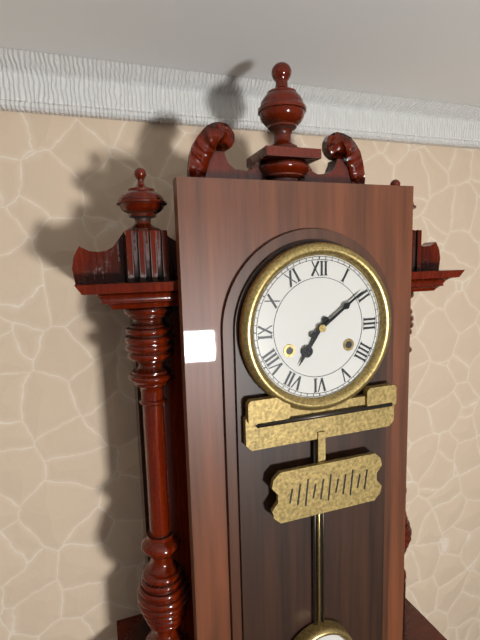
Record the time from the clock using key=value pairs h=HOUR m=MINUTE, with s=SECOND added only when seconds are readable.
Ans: h=7 m=9
